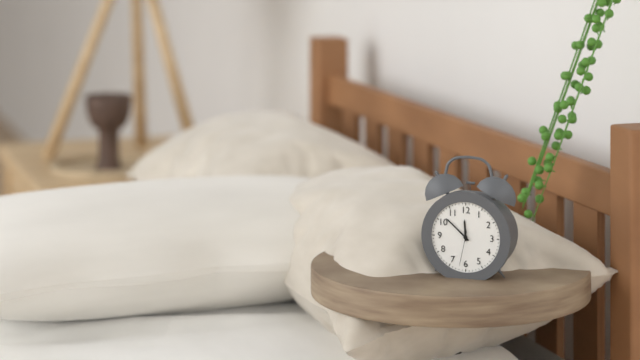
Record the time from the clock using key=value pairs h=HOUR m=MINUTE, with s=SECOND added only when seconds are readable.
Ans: h=11 m=52
